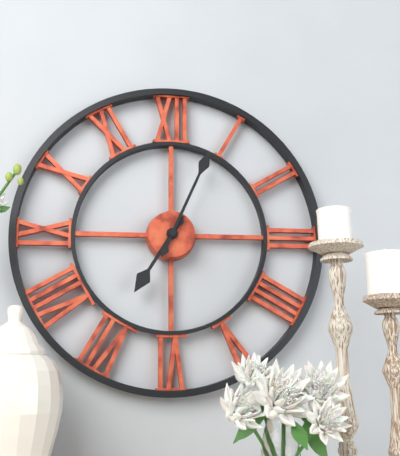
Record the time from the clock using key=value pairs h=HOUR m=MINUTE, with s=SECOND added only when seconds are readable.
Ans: h=7 m=4
